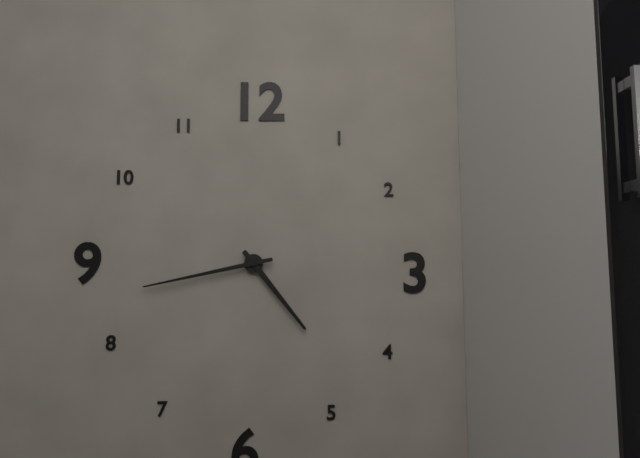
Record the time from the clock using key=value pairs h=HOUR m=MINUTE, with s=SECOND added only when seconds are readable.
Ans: h=4 m=43
